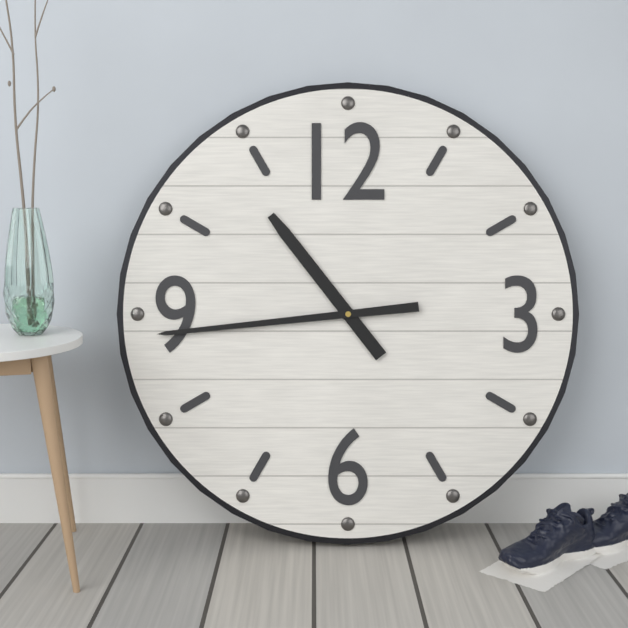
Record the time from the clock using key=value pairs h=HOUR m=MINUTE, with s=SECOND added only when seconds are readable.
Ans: h=10 m=44
